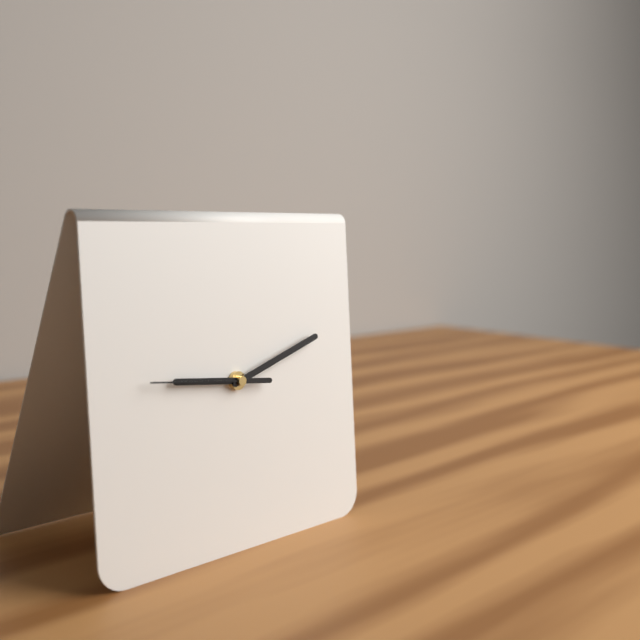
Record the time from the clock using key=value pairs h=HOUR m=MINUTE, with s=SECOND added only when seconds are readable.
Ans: h=9 m=12 s=46
